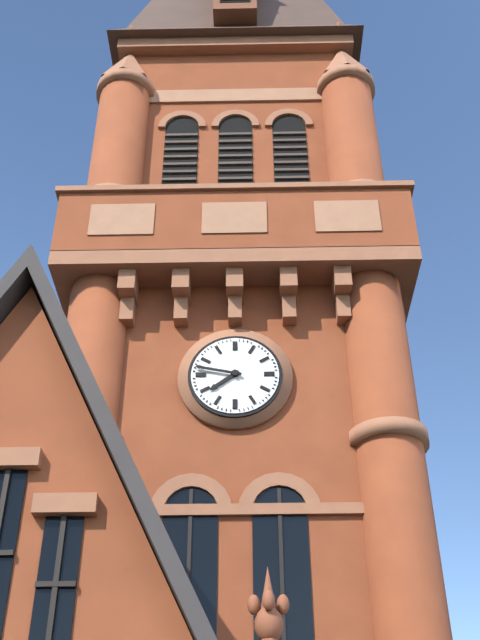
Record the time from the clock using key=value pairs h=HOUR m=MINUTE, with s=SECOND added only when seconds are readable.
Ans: h=7 m=47
